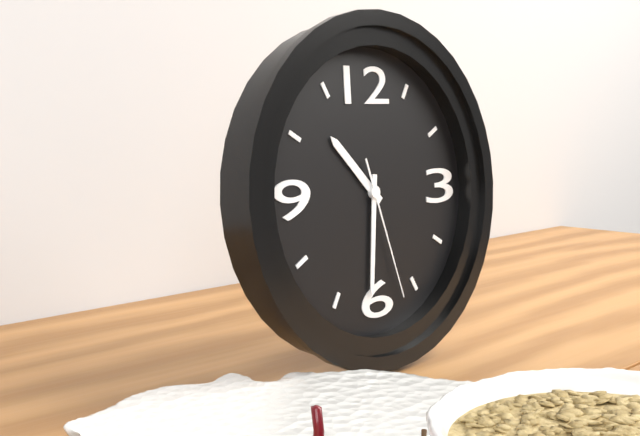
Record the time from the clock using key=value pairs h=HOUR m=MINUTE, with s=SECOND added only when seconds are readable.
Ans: h=10 m=31 s=27
